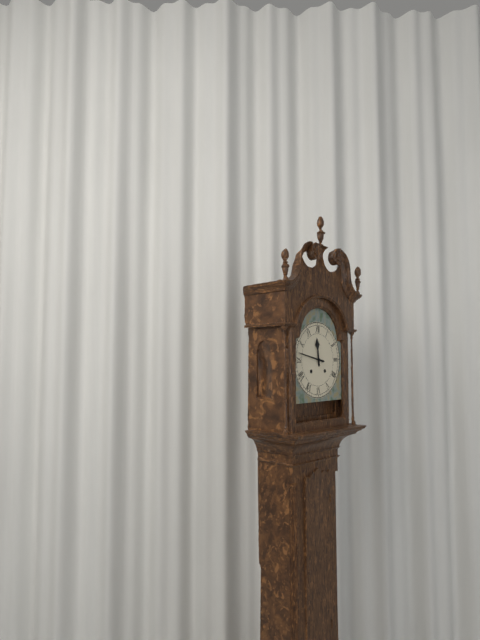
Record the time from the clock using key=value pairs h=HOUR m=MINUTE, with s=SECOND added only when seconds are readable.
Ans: h=11 m=47
